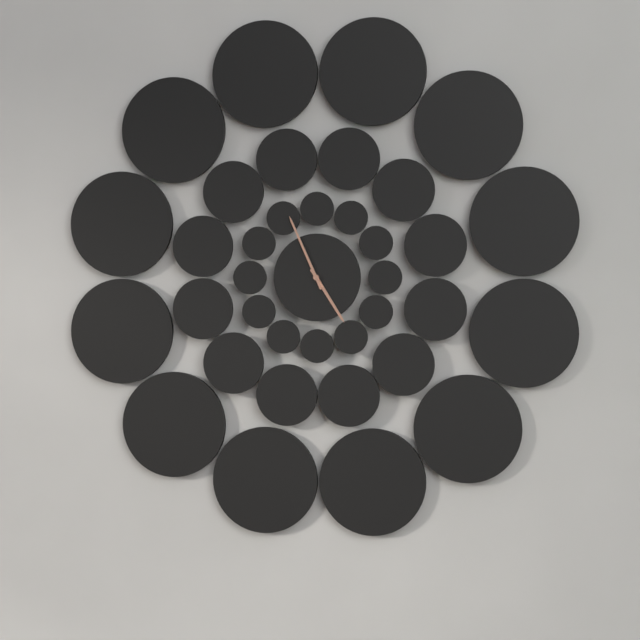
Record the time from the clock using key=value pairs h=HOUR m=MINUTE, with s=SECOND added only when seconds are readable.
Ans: h=4 m=56
